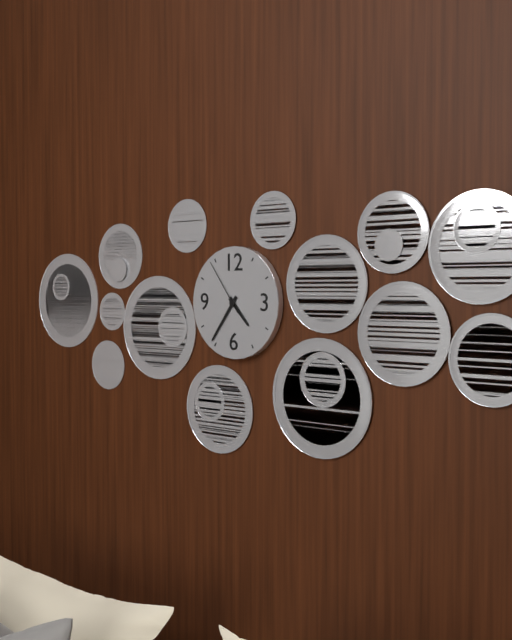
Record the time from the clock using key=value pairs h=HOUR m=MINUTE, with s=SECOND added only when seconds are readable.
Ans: h=4 m=36 s=54
